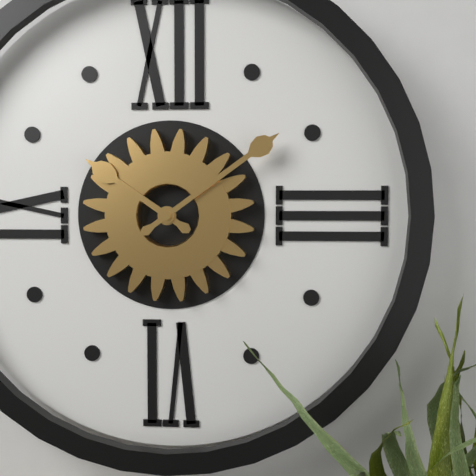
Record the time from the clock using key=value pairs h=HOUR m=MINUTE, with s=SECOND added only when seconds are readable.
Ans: h=10 m=9
